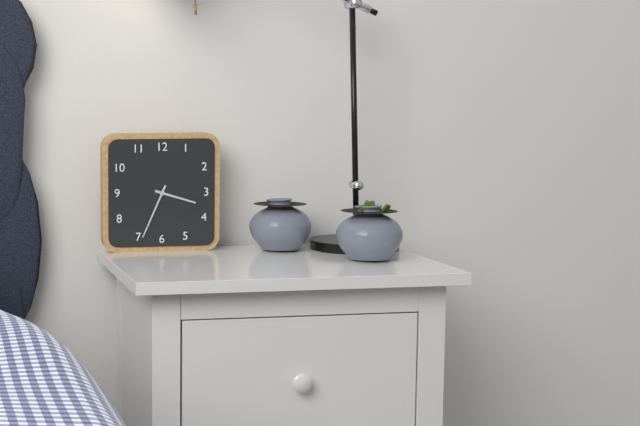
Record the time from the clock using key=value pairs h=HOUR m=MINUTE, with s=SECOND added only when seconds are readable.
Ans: h=3 m=34
